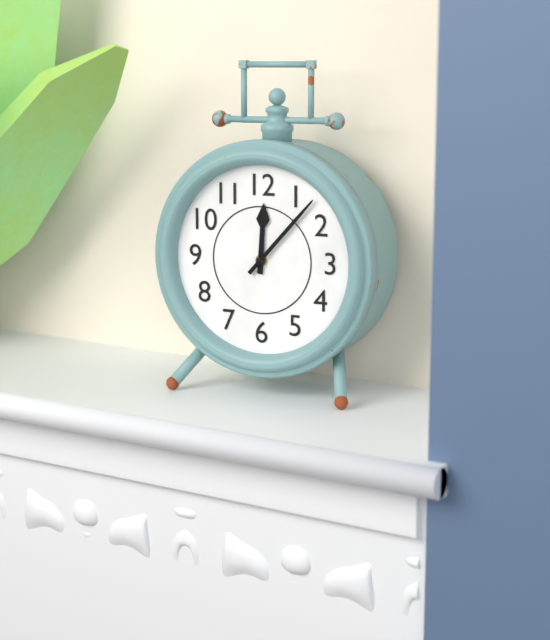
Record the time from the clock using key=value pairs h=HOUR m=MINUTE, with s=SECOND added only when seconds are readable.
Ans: h=12 m=7
